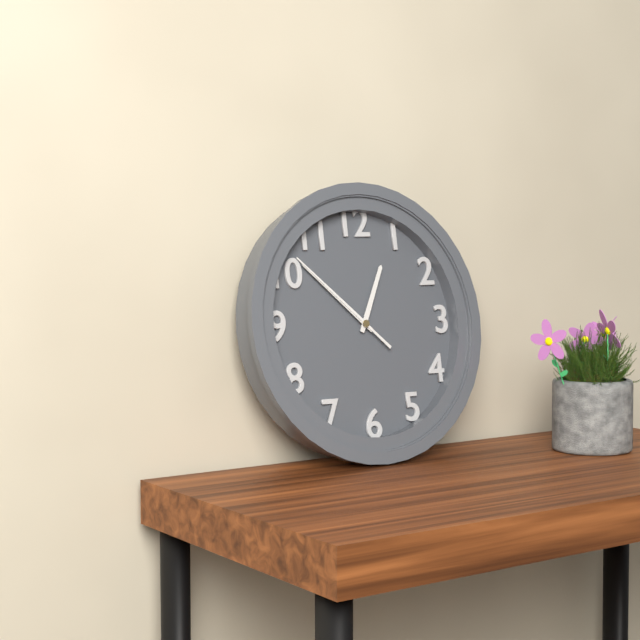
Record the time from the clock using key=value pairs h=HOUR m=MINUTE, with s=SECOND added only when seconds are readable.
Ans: h=12 m=52 s=52
